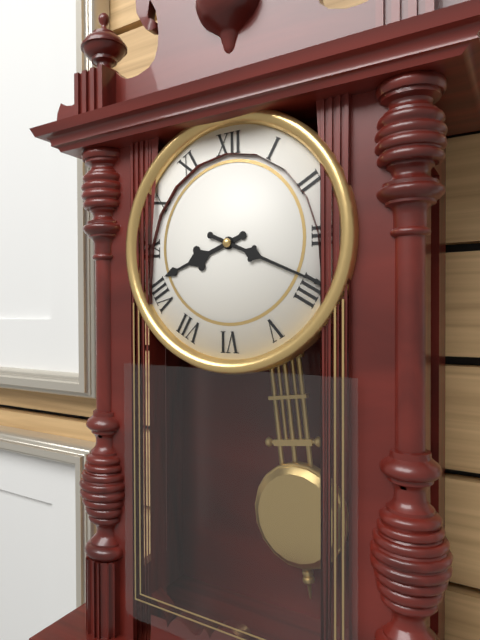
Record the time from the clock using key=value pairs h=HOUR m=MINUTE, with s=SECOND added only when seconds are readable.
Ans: h=8 m=19
